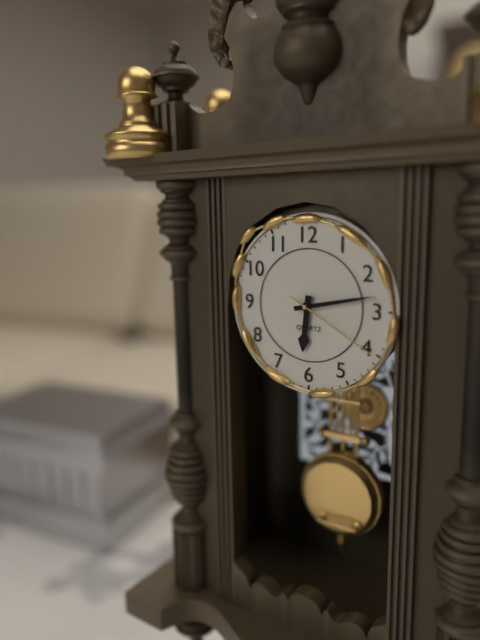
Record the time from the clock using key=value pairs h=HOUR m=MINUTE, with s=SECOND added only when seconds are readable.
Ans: h=6 m=13 s=20
